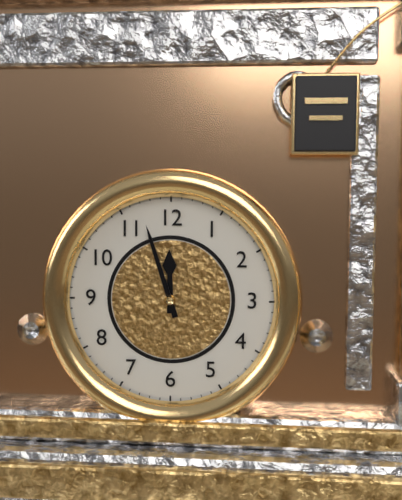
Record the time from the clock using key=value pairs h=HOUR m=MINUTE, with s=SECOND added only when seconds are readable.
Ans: h=11 m=57
